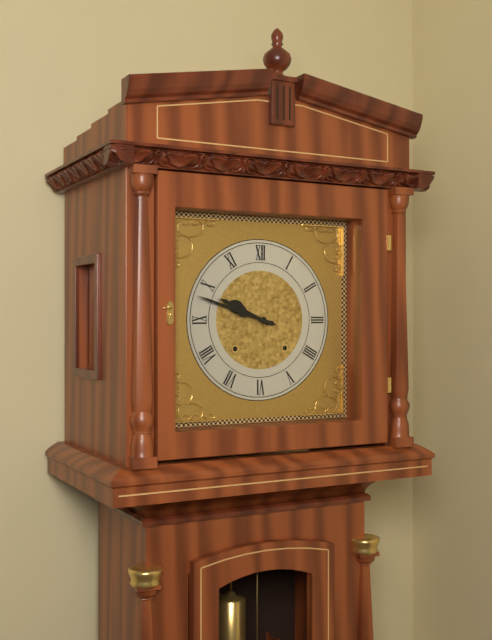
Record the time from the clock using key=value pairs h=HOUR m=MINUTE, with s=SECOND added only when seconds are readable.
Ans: h=9 m=48
